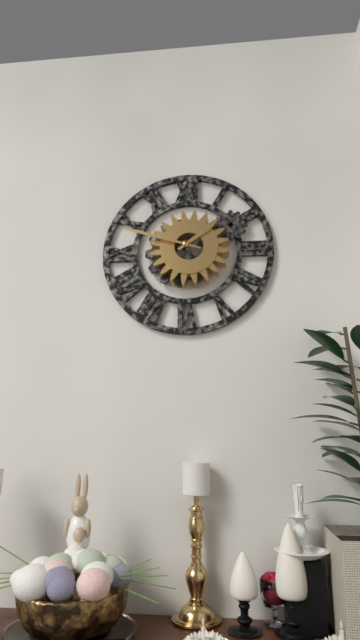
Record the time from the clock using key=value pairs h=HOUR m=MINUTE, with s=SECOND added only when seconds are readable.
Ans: h=1 m=48
